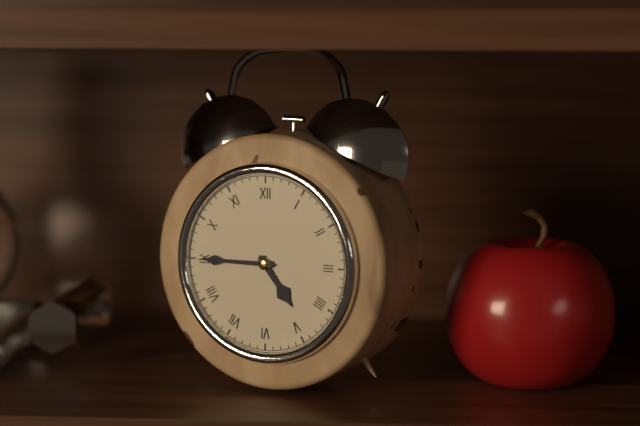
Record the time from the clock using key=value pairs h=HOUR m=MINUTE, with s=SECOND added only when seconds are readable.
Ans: h=4 m=45
